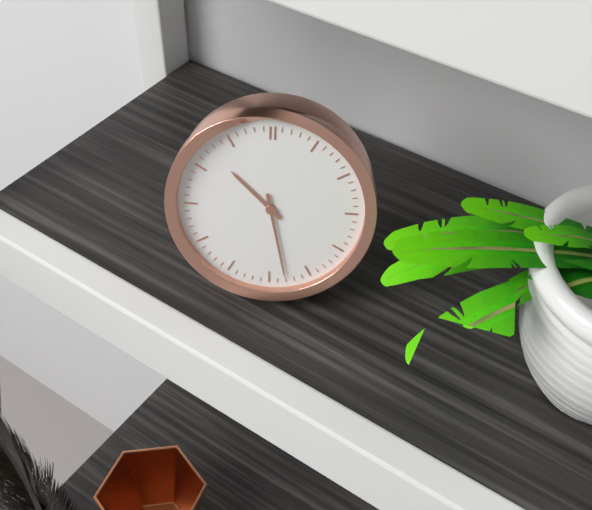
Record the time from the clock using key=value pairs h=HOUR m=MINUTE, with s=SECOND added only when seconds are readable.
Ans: h=10 m=28
